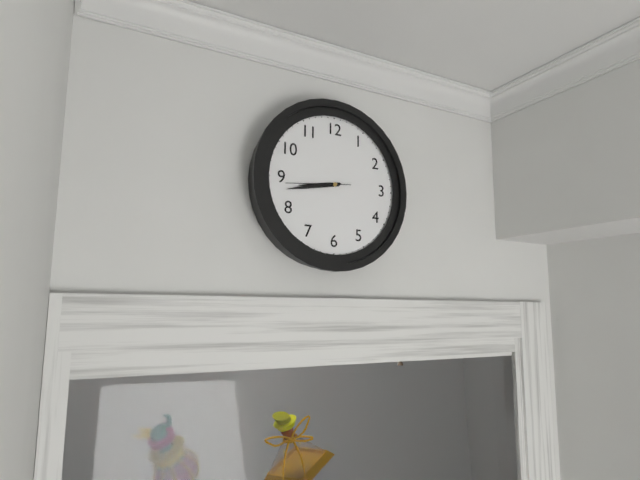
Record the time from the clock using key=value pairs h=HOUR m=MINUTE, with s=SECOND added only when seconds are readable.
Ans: h=8 m=43 s=44
